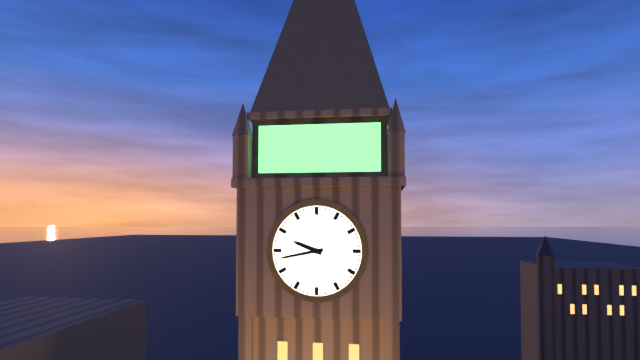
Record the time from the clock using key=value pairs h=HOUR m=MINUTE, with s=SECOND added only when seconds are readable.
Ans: h=9 m=43
